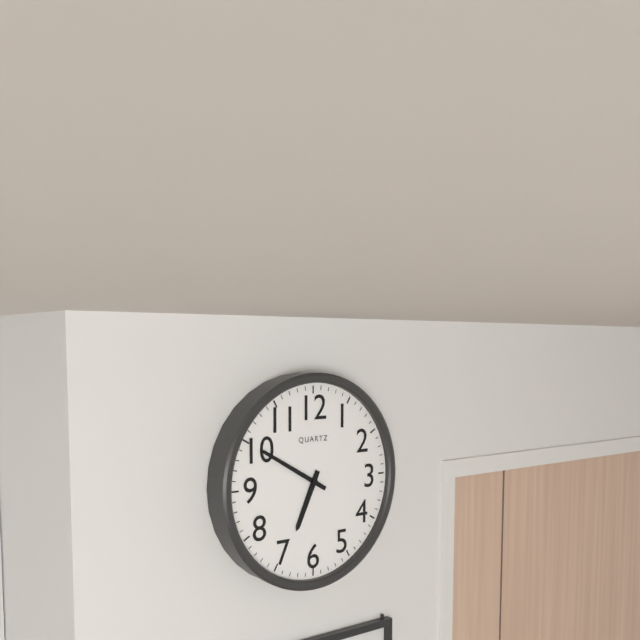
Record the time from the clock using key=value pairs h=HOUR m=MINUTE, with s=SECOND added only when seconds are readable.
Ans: h=6 m=50
